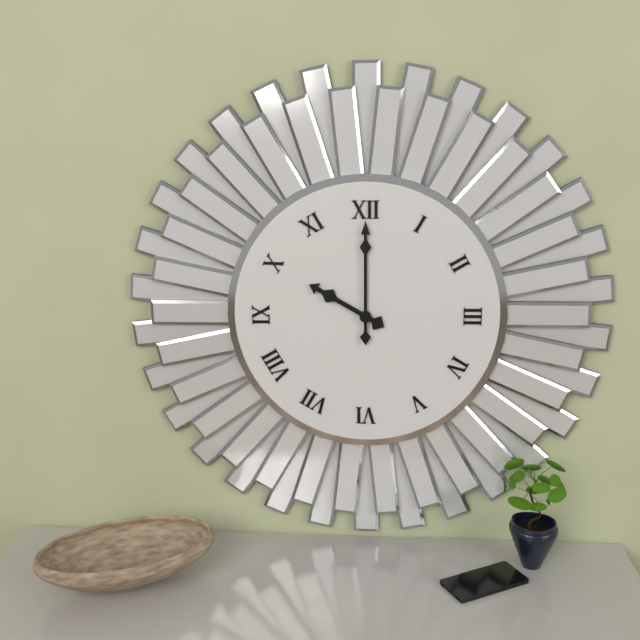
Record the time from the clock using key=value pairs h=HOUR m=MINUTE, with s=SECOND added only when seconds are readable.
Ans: h=10 m=0
